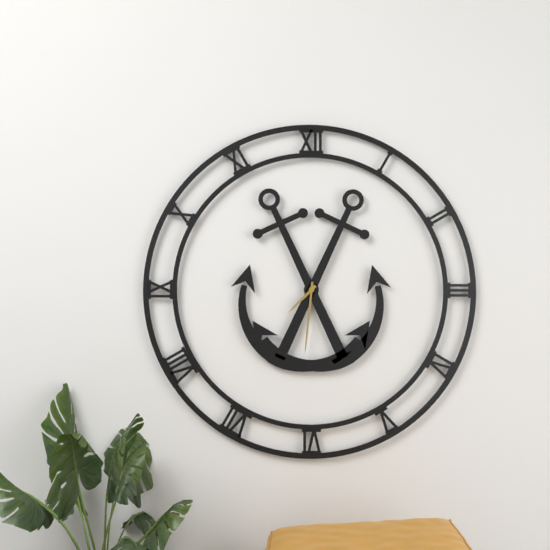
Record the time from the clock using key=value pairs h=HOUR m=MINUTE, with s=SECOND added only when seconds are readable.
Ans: h=7 m=31
